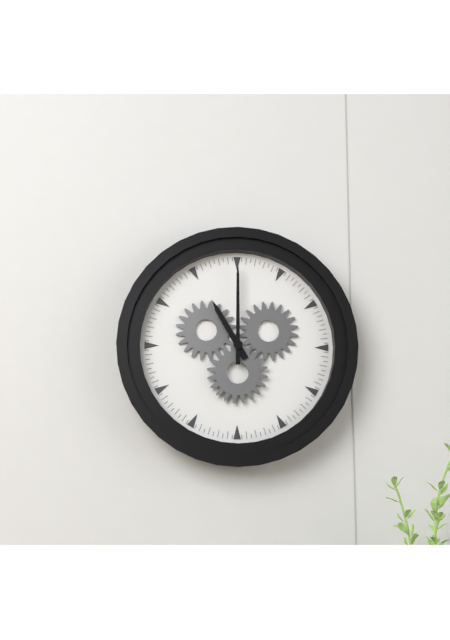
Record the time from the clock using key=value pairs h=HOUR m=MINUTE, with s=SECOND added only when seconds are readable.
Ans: h=11 m=0
